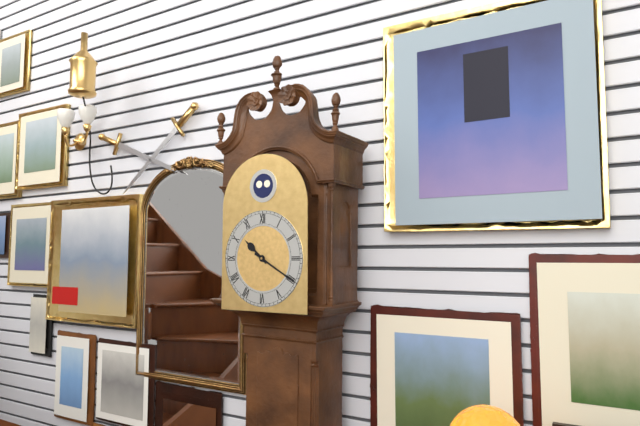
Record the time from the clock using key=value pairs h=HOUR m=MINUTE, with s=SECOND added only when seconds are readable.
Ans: h=10 m=20
